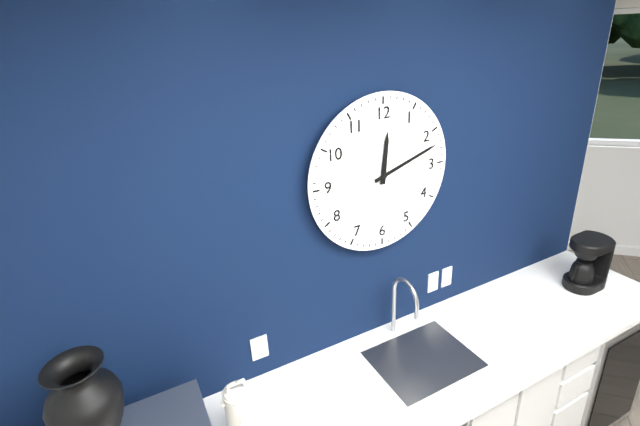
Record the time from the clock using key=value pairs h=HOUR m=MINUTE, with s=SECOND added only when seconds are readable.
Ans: h=12 m=12
